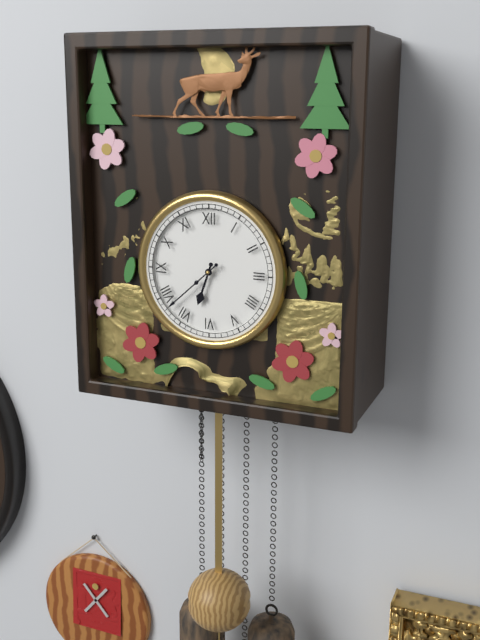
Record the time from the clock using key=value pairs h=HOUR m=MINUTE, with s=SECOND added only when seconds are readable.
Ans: h=6 m=38
